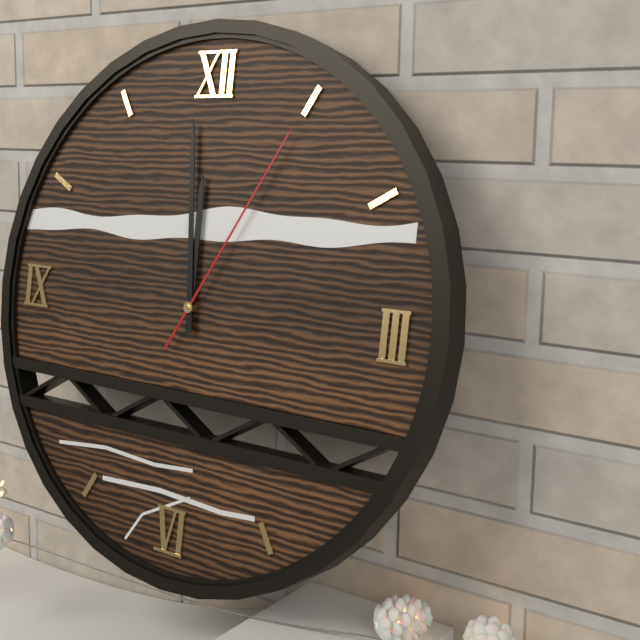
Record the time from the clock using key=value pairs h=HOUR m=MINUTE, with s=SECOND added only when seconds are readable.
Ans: h=11 m=59 s=5
